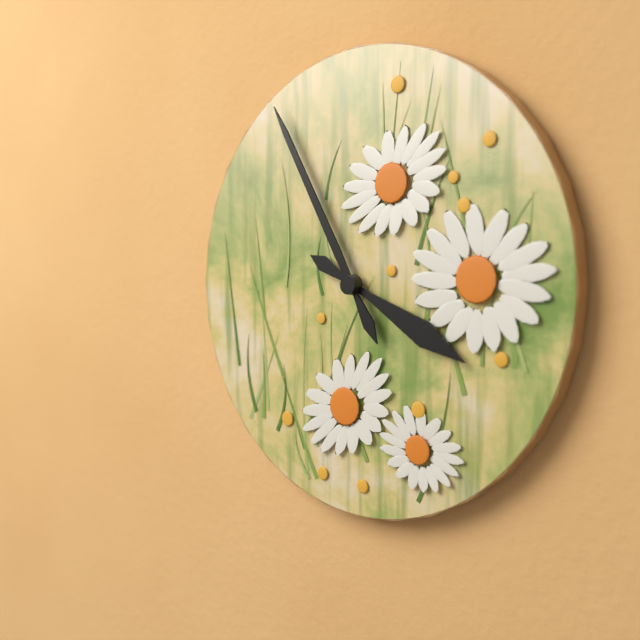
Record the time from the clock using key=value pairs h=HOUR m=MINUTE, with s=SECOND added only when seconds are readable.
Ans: h=3 m=55
